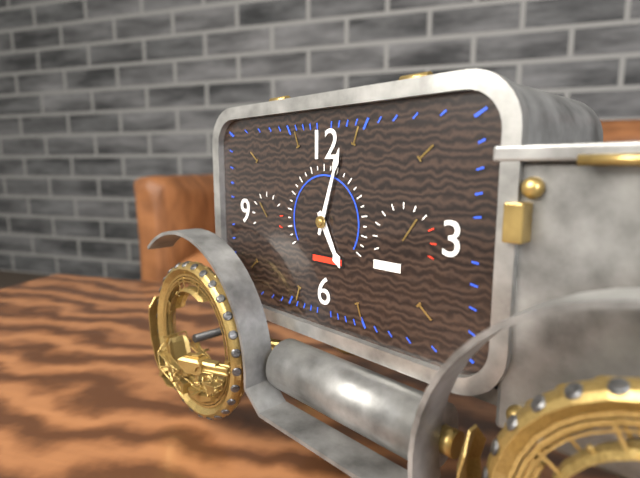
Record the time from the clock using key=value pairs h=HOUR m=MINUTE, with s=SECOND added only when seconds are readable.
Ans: h=5 m=3
